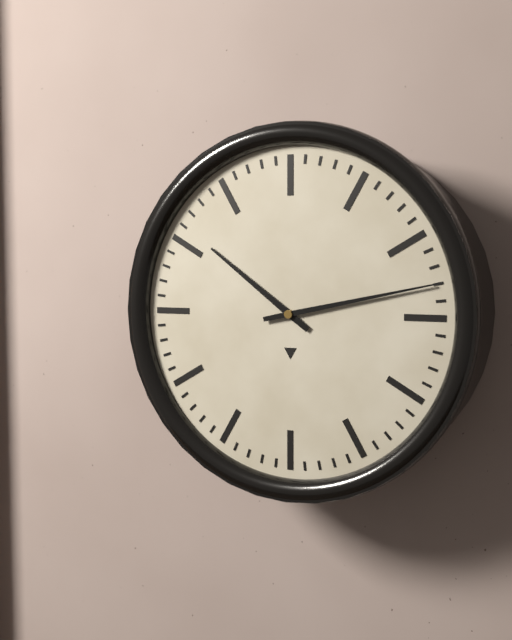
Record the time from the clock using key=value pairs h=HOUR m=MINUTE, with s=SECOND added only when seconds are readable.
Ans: h=10 m=13
